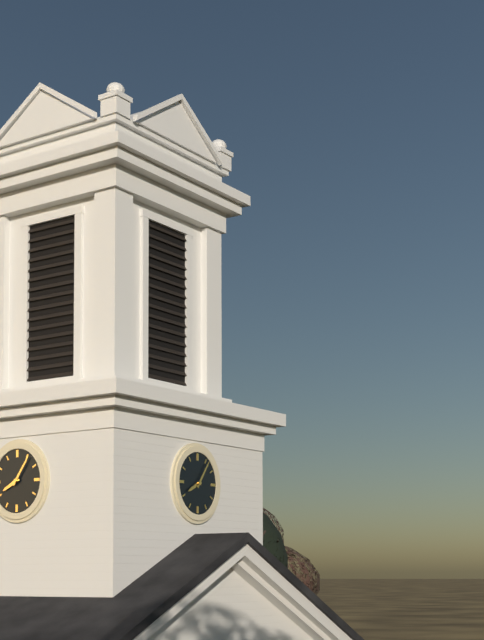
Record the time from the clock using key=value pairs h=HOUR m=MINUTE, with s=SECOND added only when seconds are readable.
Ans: h=8 m=6
